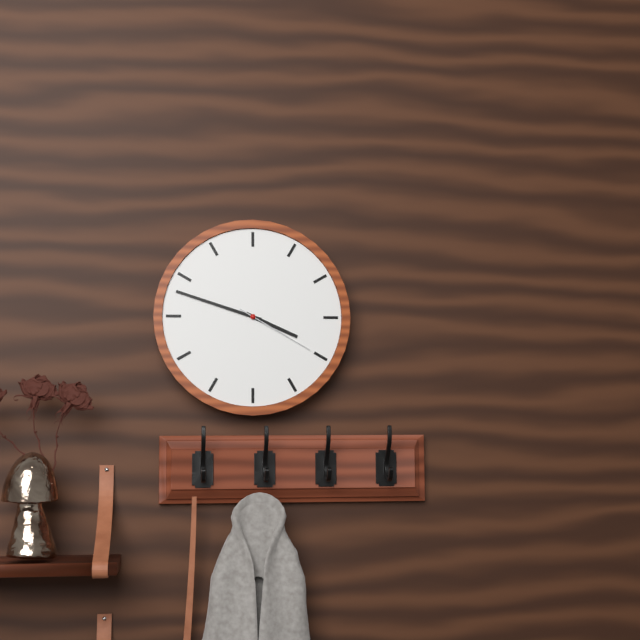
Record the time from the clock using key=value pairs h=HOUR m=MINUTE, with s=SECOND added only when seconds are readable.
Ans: h=3 m=48 s=20
